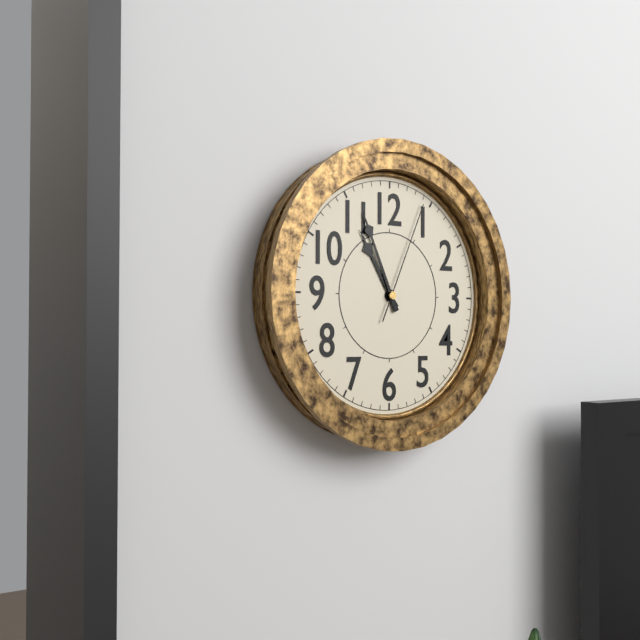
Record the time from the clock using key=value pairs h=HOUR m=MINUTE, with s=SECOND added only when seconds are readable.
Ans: h=10 m=56 s=4
